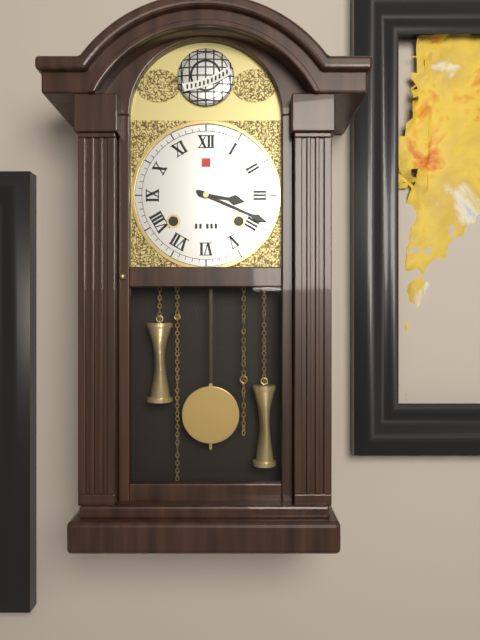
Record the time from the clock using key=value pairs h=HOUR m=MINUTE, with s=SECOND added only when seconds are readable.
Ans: h=3 m=19
